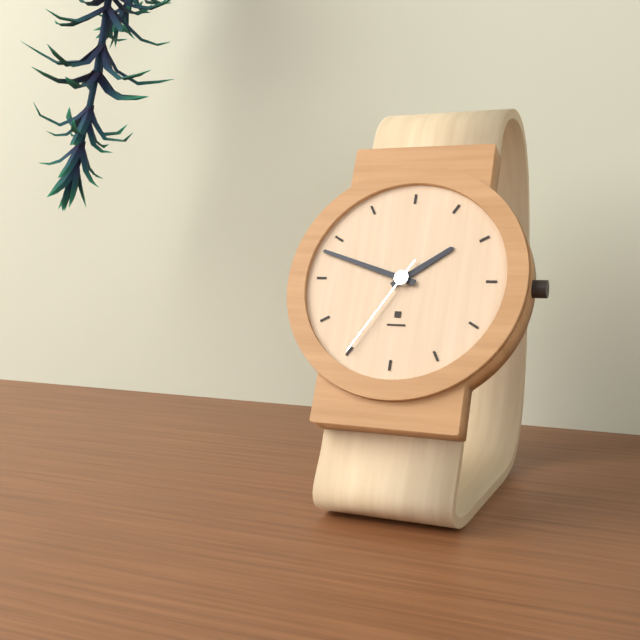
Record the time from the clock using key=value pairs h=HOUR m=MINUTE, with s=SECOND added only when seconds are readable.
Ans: h=1 m=48 s=35
